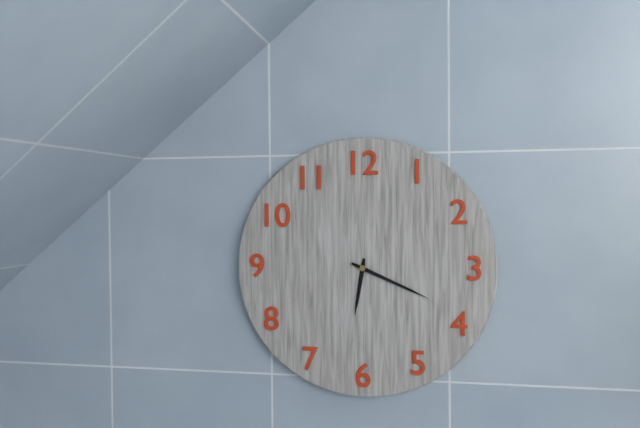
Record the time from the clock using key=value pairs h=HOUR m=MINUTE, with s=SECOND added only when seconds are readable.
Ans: h=6 m=19
